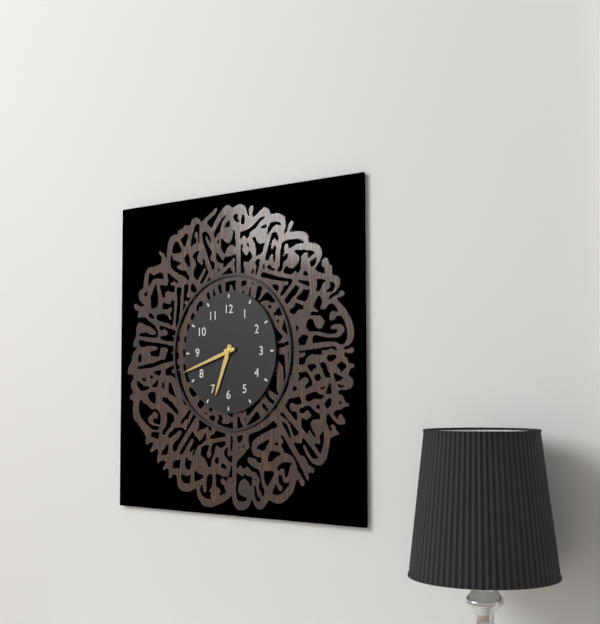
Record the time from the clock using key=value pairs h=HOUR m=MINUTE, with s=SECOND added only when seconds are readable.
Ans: h=6 m=42
